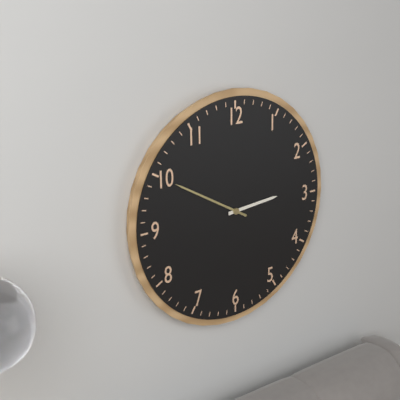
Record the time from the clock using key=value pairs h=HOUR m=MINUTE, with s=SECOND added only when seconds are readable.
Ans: h=2 m=50
